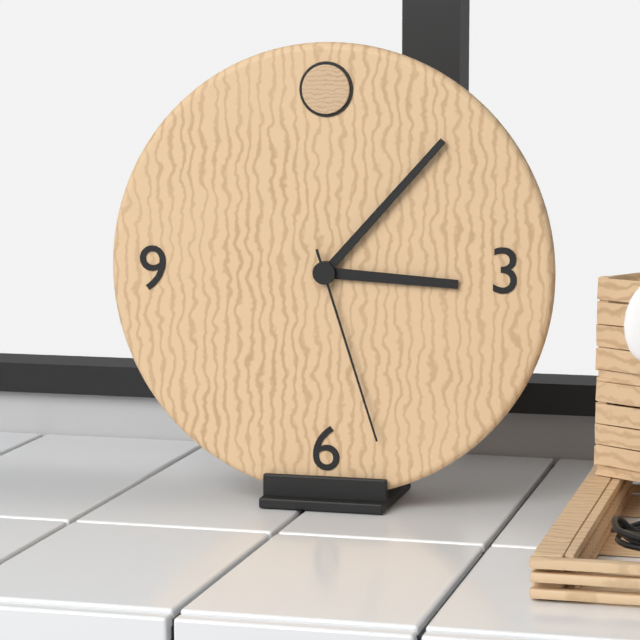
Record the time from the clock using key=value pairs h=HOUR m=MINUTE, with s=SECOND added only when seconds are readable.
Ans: h=3 m=7 s=27
